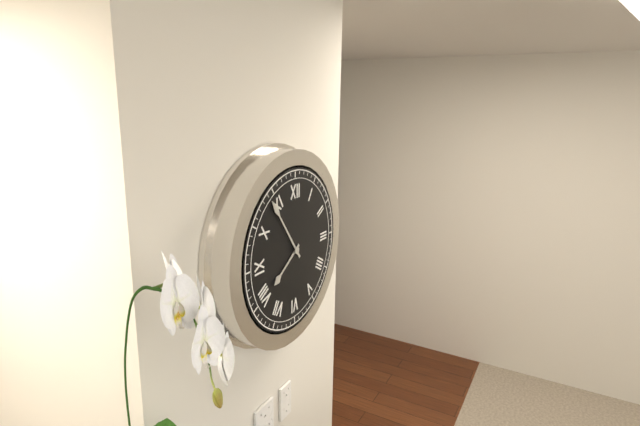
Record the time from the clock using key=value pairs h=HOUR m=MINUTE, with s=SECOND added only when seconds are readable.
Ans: h=7 m=54
